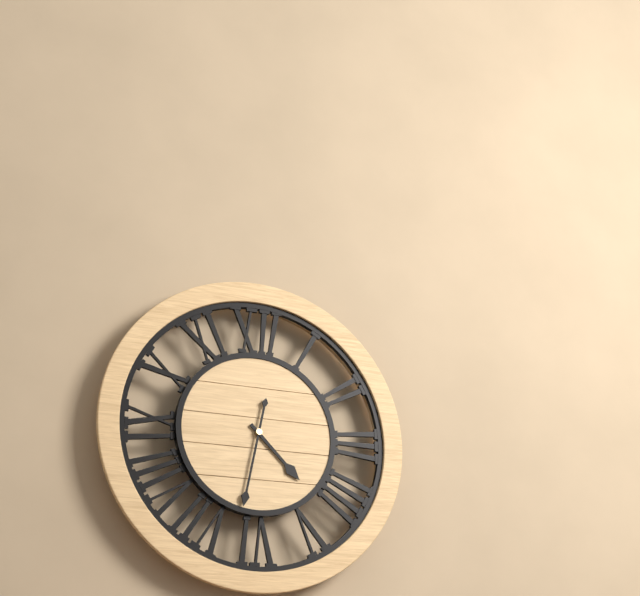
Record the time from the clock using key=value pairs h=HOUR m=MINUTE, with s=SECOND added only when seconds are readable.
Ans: h=4 m=32
